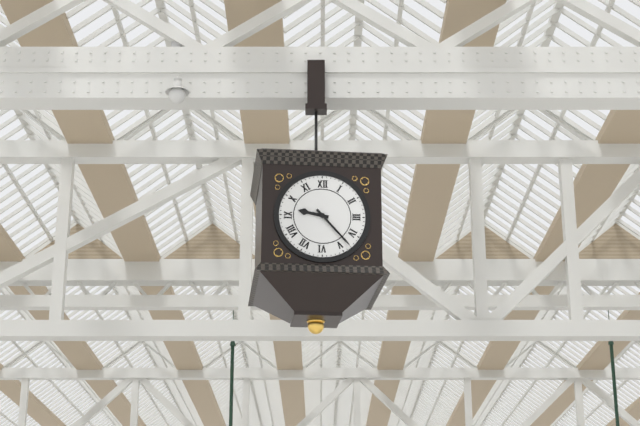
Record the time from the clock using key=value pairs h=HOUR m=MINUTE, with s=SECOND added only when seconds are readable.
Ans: h=9 m=23
